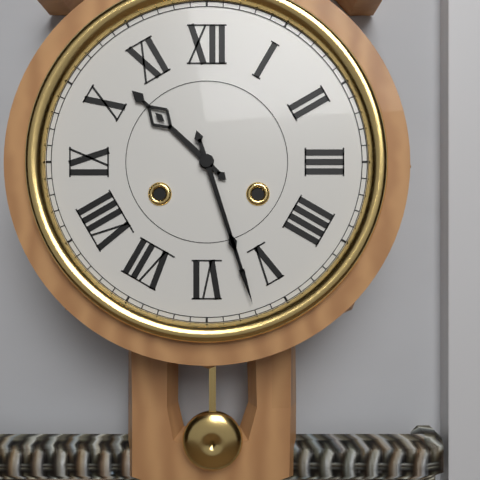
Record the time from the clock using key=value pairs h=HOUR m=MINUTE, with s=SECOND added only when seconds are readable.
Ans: h=10 m=27
